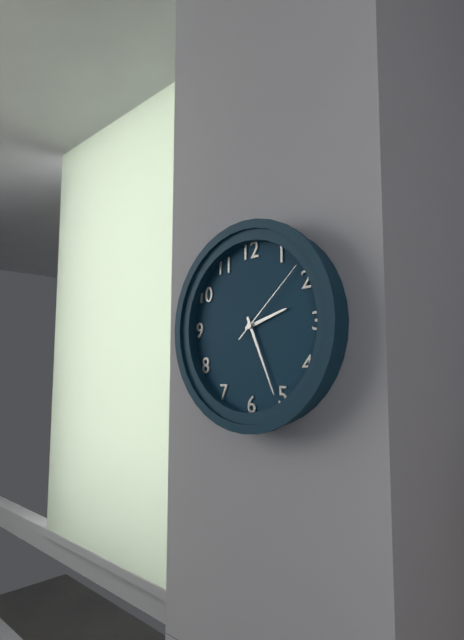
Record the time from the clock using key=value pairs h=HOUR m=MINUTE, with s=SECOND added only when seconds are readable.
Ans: h=2 m=26 s=8
